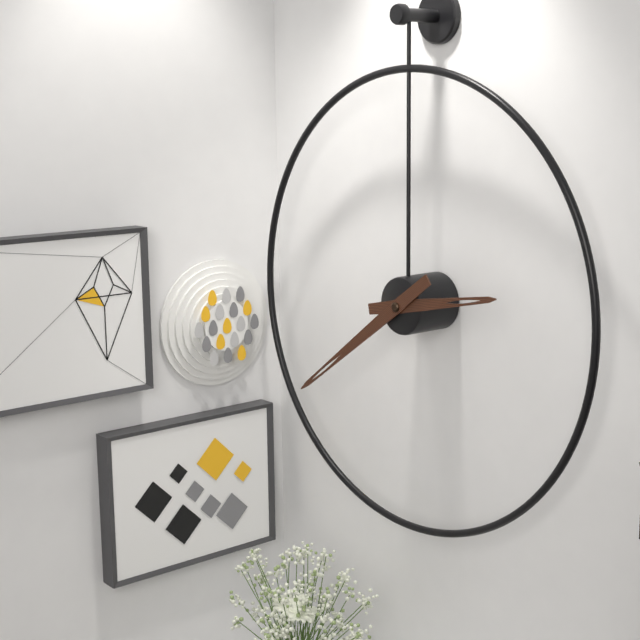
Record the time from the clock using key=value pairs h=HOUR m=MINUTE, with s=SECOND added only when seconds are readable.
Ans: h=2 m=39
